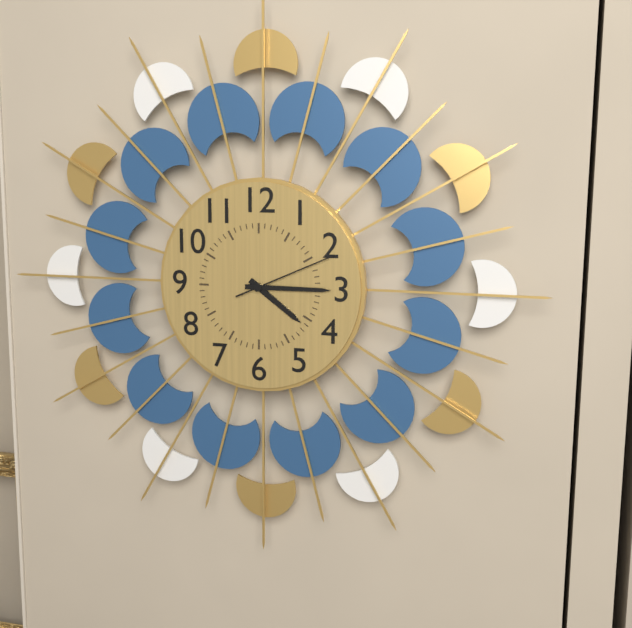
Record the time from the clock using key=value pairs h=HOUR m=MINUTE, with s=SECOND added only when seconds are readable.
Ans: h=4 m=15 s=11
